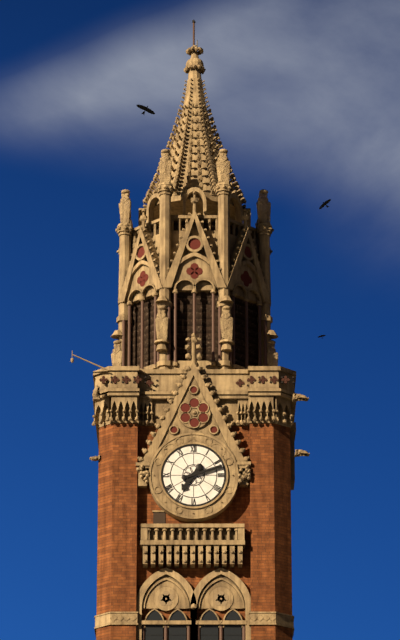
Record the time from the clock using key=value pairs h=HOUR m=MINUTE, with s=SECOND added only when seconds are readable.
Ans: h=7 m=12
